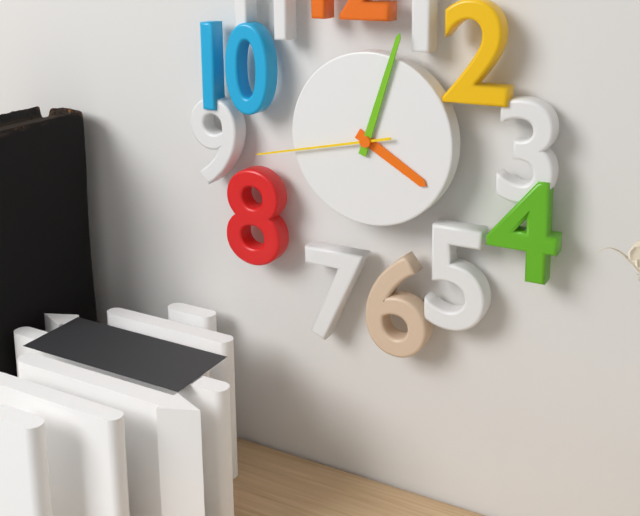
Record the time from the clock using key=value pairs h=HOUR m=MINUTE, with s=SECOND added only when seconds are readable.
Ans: h=4 m=3 s=43
